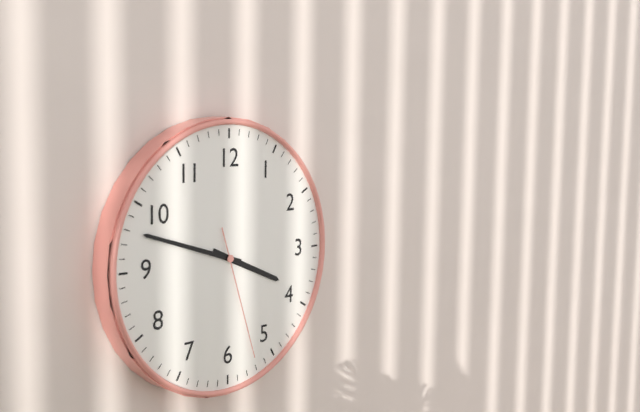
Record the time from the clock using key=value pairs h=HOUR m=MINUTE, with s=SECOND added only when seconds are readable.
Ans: h=3 m=48 s=27
